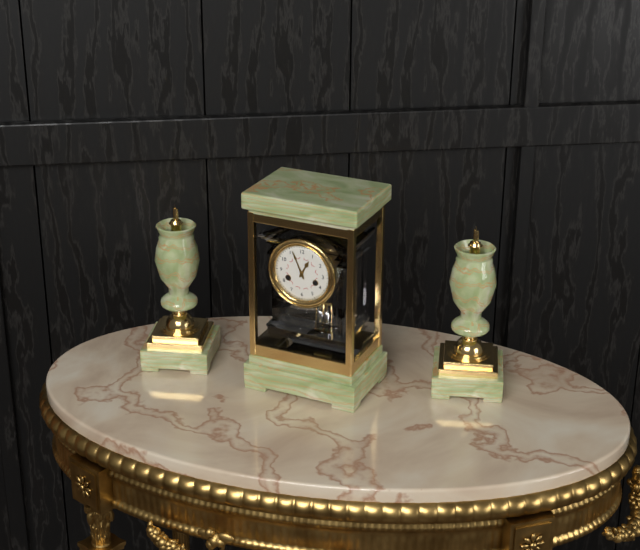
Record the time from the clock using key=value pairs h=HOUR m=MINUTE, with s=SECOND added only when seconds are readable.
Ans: h=12 m=56
